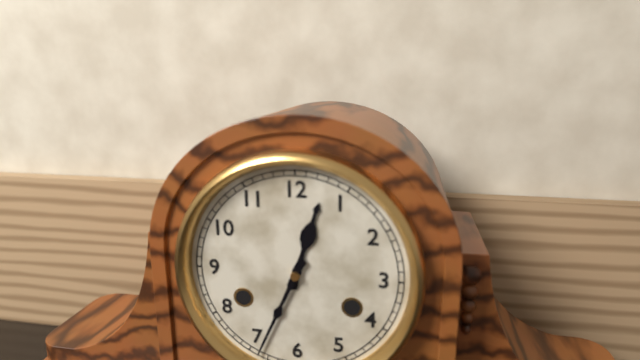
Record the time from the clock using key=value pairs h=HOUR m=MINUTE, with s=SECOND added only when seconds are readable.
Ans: h=12 m=34
